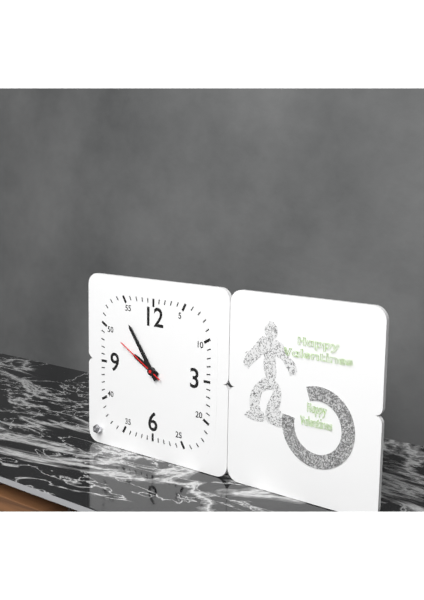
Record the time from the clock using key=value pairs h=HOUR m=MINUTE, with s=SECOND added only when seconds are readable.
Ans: h=9 m=54 s=50
